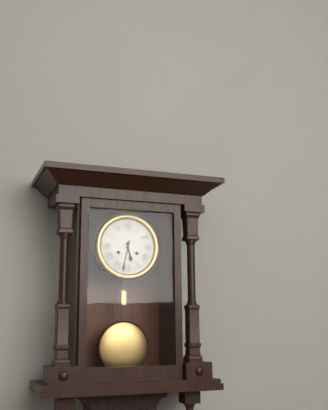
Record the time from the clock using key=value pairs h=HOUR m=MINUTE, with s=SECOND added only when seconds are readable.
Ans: h=5 m=32
